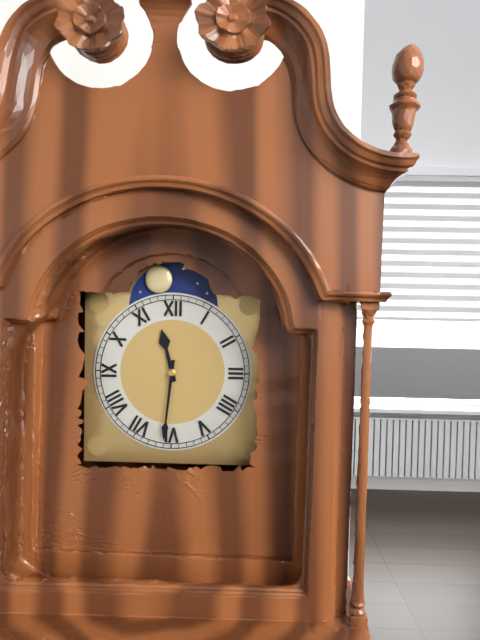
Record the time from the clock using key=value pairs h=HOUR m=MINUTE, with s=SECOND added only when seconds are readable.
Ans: h=11 m=31
